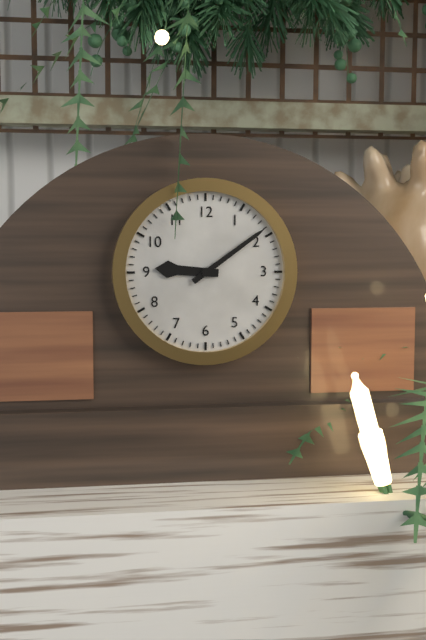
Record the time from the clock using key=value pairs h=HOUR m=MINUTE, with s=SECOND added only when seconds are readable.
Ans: h=9 m=9
